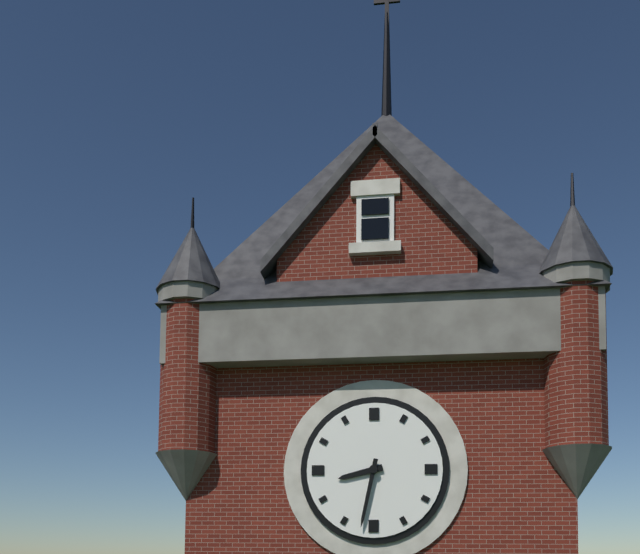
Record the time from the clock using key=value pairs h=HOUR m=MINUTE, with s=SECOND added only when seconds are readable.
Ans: h=8 m=32
